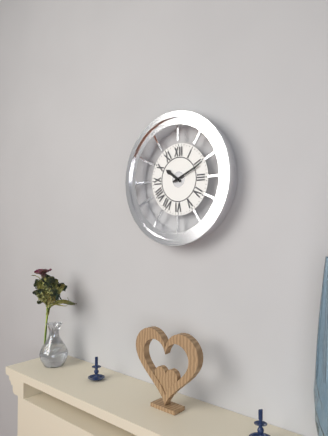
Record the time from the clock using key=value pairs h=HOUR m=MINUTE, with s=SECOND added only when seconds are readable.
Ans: h=10 m=11
